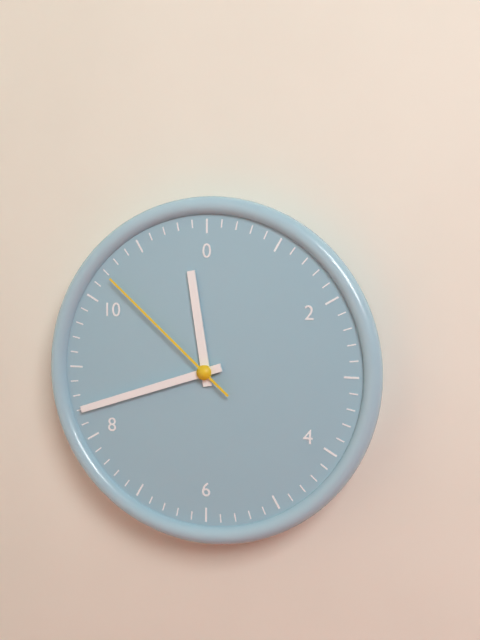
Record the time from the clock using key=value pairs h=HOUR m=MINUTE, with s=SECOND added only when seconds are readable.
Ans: h=11 m=42 s=52
